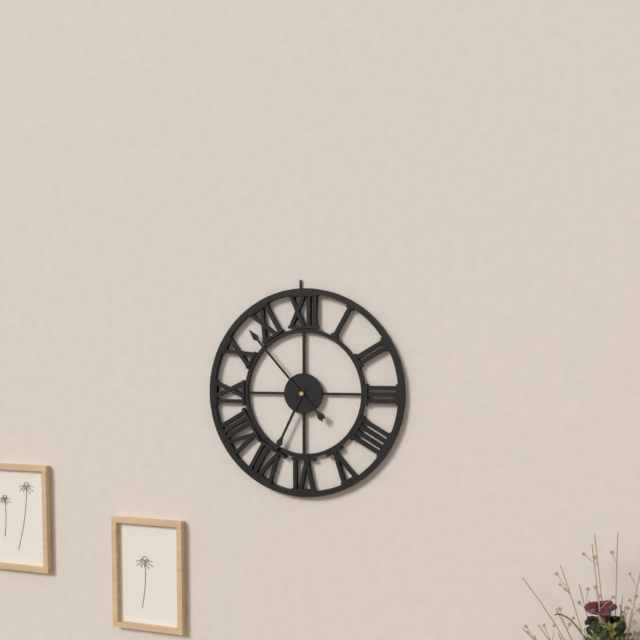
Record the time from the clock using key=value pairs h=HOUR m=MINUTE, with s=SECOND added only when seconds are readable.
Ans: h=6 m=53
